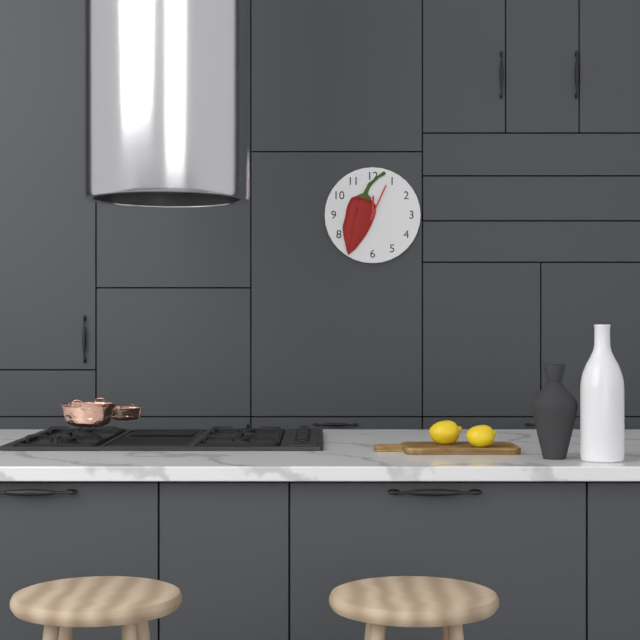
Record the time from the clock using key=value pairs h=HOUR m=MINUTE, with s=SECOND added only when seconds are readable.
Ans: h=12 m=4
